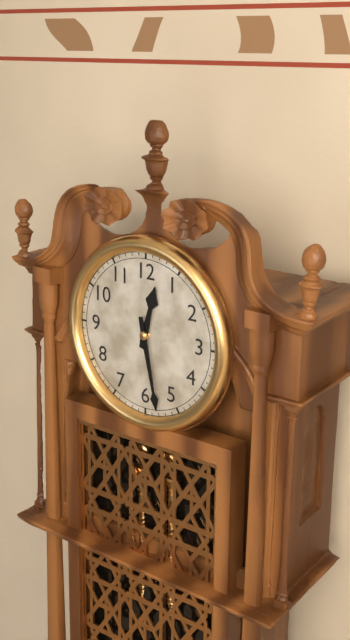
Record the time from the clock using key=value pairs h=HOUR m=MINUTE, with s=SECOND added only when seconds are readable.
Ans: h=12 m=28
